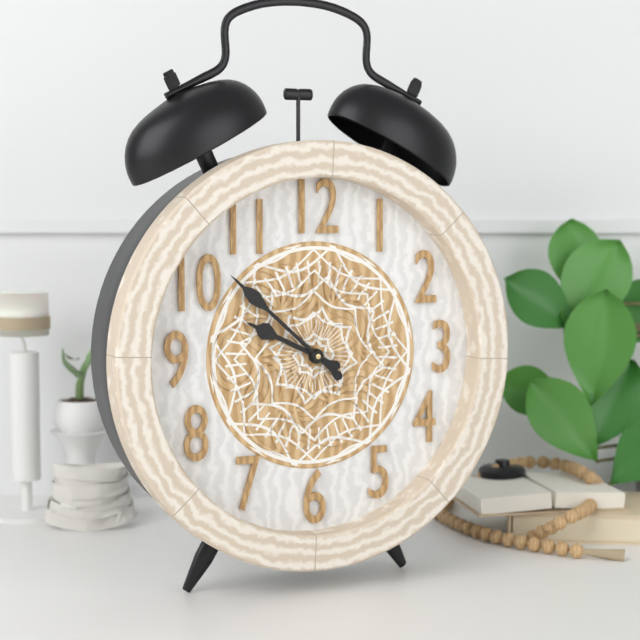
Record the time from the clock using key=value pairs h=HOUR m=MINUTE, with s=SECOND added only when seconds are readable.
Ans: h=9 m=52
